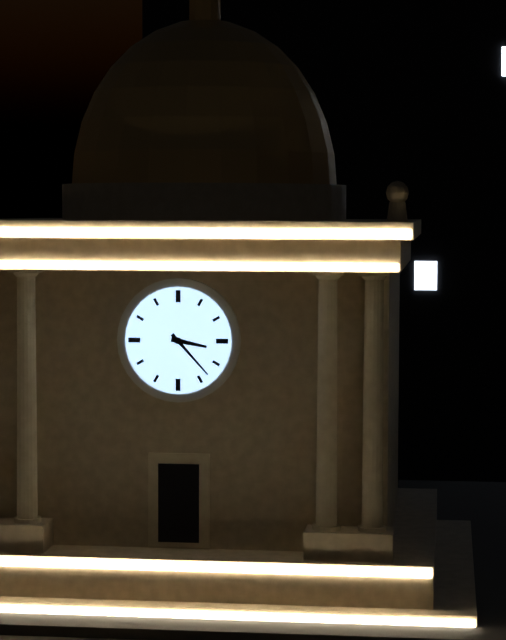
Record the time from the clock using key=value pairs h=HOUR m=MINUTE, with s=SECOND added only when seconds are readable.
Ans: h=3 m=23
